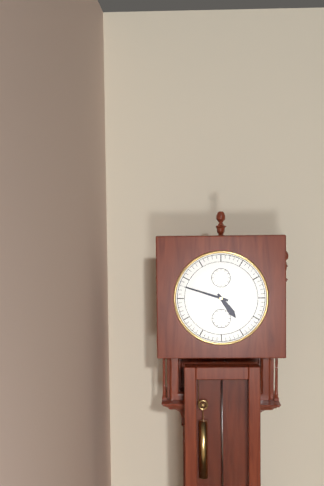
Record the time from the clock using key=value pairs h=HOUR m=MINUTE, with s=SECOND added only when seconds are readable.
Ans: h=4 m=48
